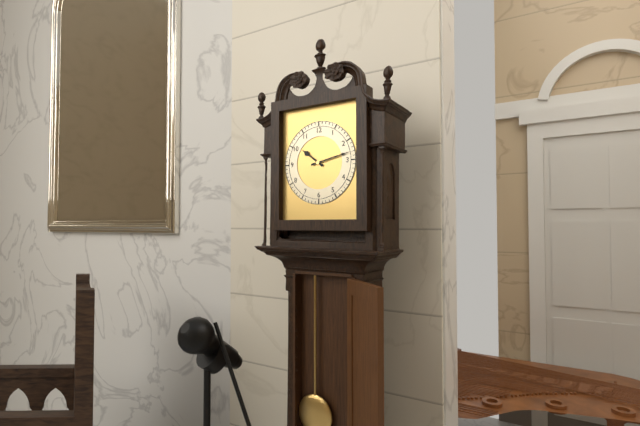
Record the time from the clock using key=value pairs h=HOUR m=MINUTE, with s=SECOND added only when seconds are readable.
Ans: h=10 m=13
